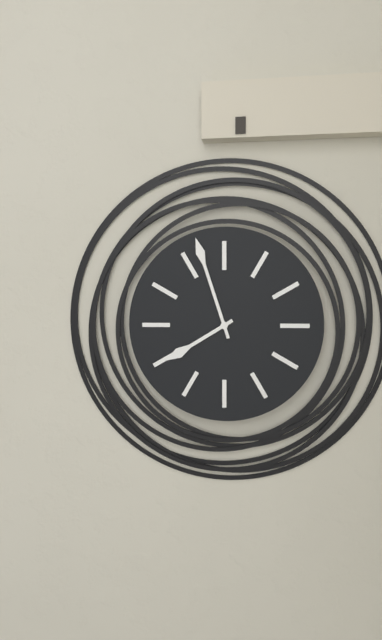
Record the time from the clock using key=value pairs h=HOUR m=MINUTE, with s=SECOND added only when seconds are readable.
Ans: h=7 m=57
